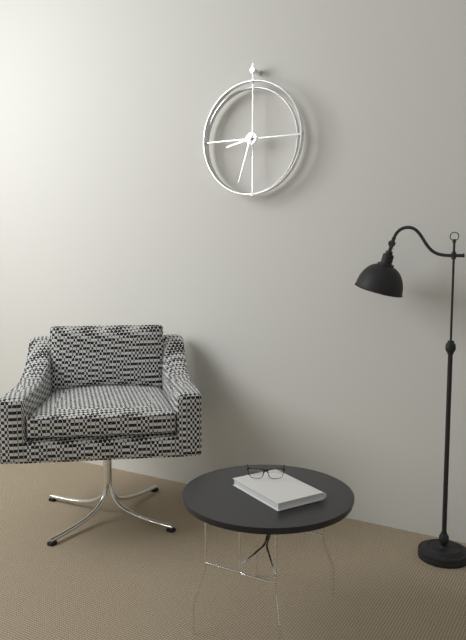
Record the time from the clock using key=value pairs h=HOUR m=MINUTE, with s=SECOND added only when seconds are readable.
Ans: h=8 m=33
